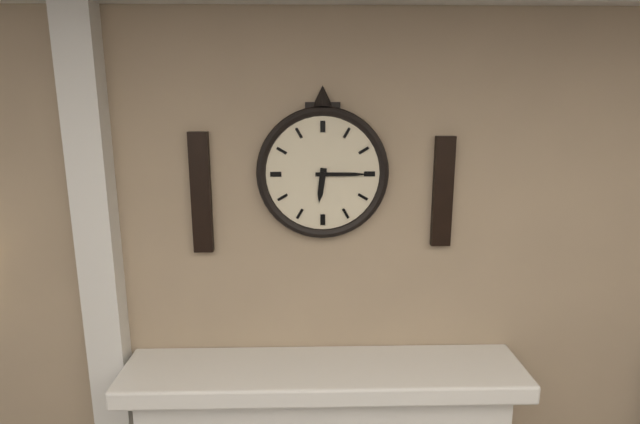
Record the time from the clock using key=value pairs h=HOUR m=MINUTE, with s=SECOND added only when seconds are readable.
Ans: h=6 m=15
